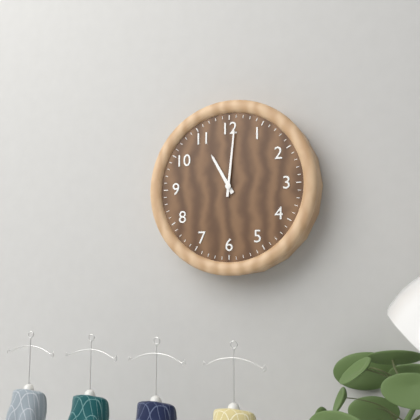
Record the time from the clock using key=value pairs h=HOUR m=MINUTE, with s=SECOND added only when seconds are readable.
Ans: h=11 m=1
